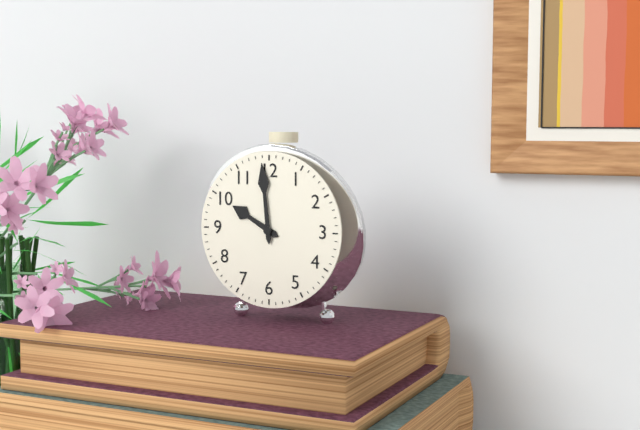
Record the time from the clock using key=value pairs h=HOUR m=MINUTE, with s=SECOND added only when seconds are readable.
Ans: h=9 m=59
